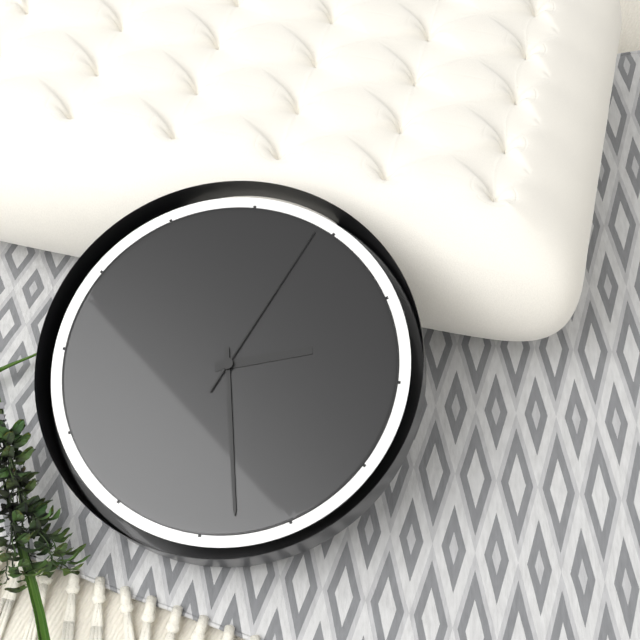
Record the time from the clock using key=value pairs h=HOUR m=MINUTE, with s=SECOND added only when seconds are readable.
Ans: h=2 m=28 s=4
